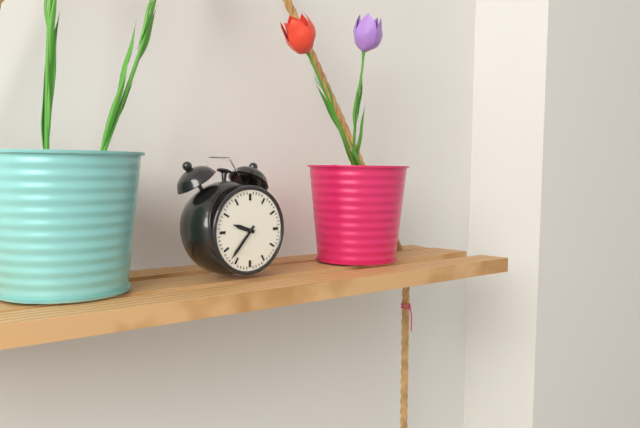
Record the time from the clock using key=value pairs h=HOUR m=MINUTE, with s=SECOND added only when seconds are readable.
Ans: h=9 m=37
